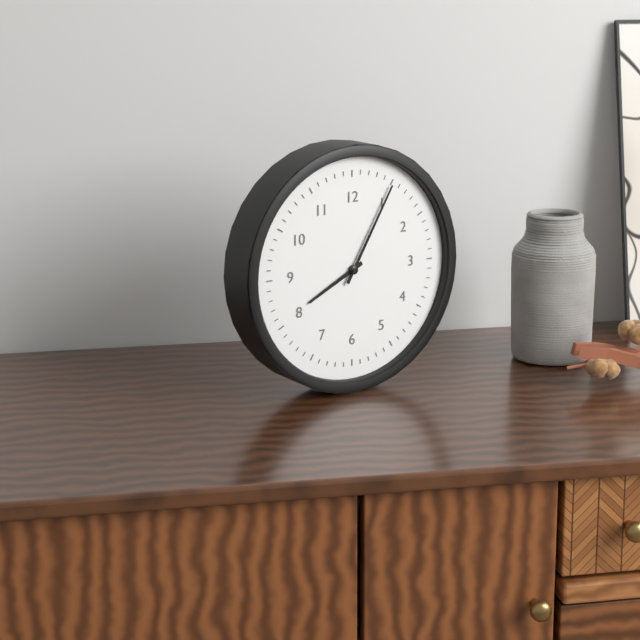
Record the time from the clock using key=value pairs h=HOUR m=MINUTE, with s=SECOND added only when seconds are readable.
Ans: h=8 m=5
